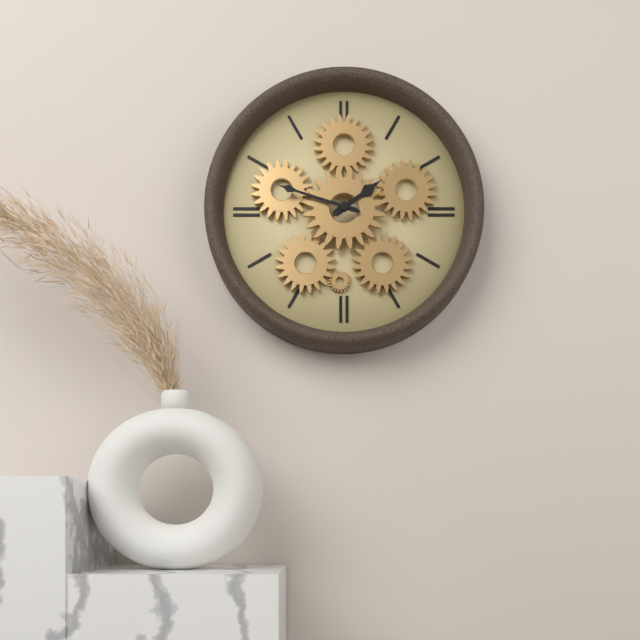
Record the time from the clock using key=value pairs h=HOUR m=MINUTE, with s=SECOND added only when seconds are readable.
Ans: h=1 m=48
